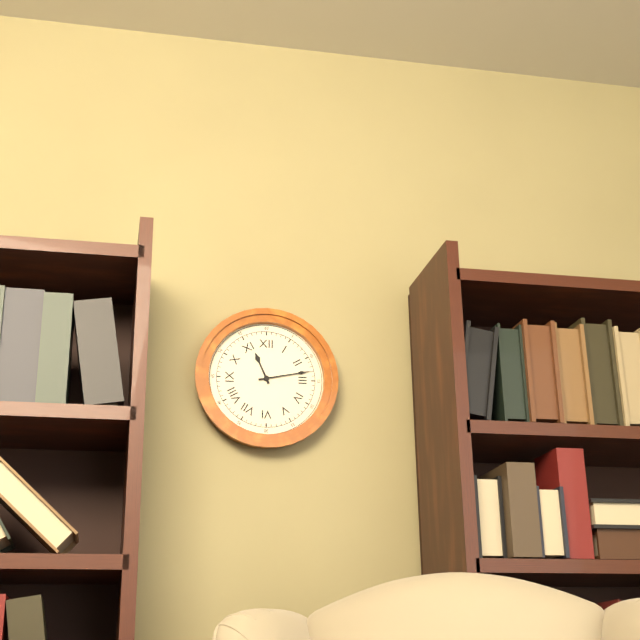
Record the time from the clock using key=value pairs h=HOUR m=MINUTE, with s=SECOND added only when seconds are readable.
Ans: h=11 m=13
